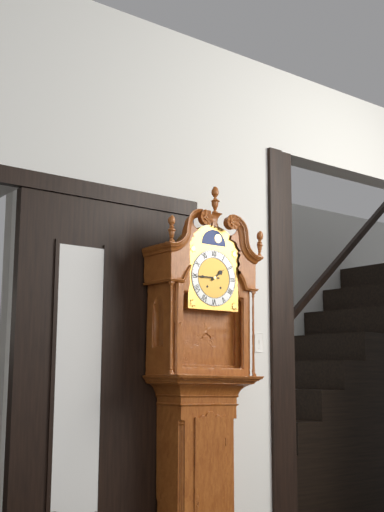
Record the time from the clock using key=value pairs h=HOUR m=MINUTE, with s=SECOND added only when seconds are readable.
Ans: h=1 m=45
